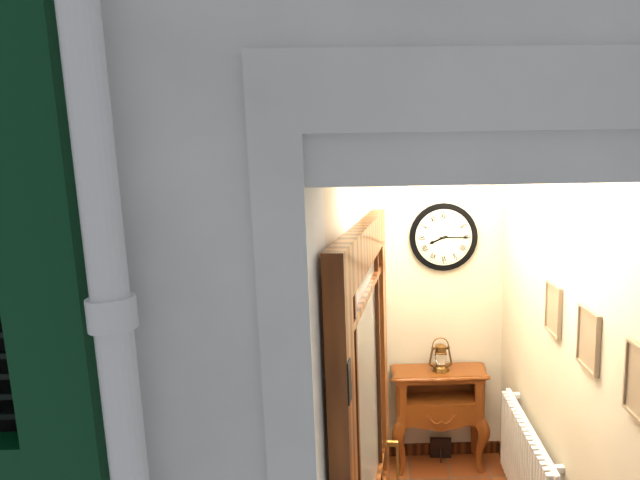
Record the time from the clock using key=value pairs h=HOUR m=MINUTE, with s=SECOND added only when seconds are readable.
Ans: h=8 m=15
